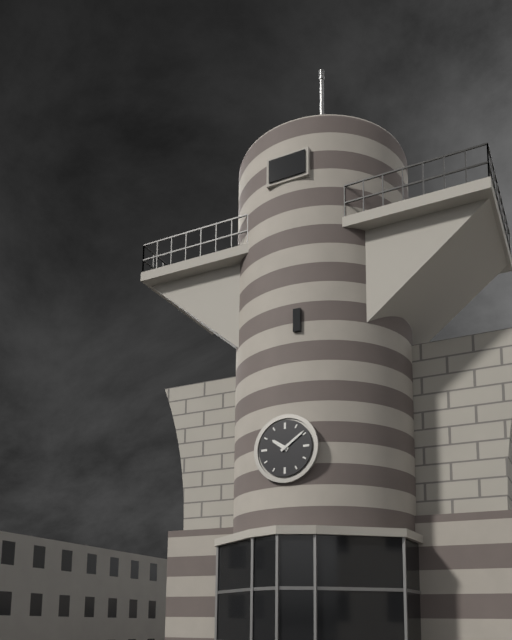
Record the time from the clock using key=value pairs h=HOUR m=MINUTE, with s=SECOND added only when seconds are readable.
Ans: h=10 m=9
